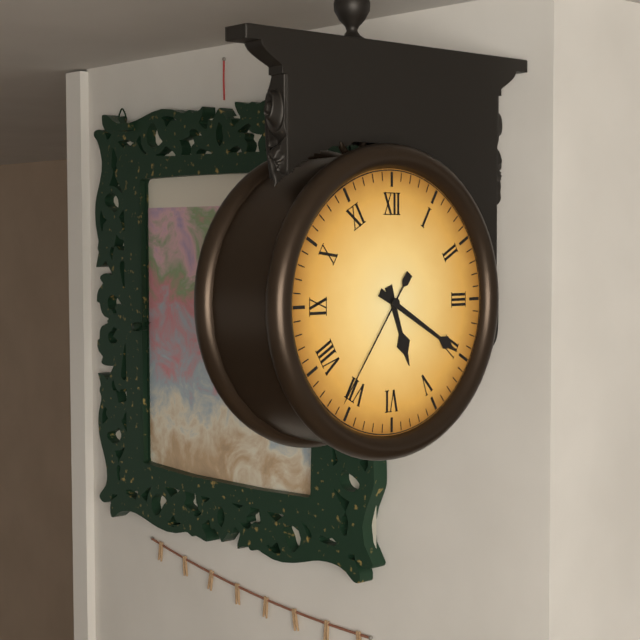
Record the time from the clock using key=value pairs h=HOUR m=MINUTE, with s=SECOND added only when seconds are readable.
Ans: h=5 m=20 s=36
